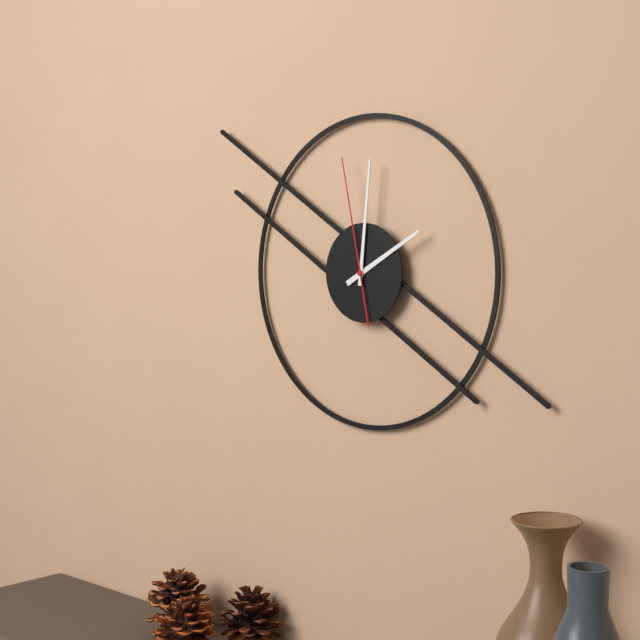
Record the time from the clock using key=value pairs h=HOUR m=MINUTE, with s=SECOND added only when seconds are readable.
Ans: h=2 m=1 s=58
